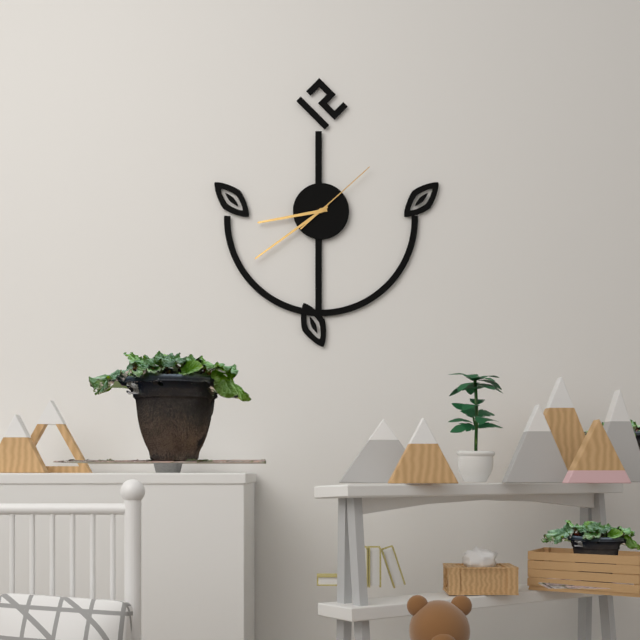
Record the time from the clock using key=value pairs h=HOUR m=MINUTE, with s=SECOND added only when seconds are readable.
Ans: h=8 m=39 s=8
